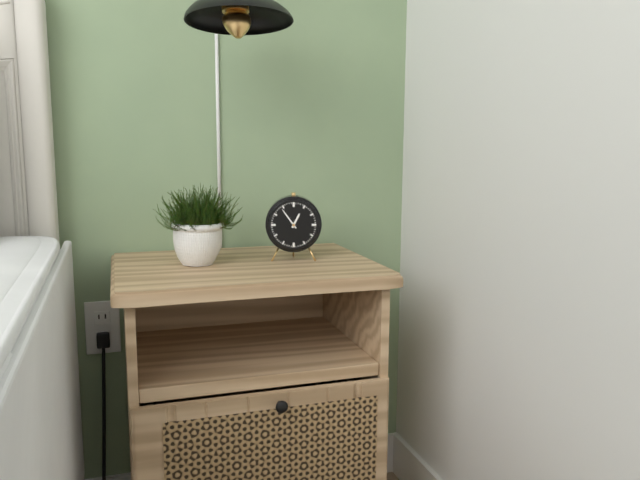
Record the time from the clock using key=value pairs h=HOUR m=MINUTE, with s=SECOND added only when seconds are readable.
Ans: h=12 m=54
